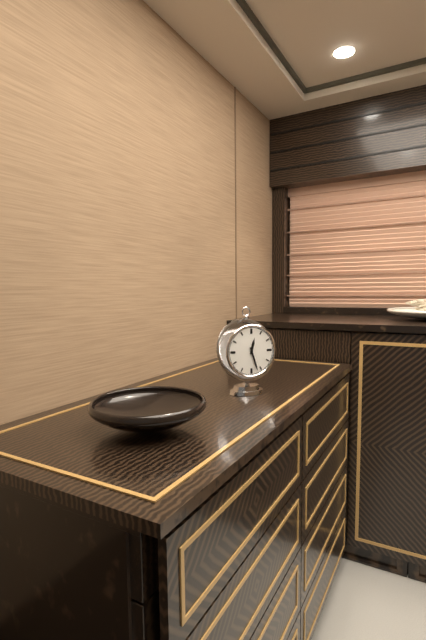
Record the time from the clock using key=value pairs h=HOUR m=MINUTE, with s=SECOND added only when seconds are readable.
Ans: h=12 m=27
